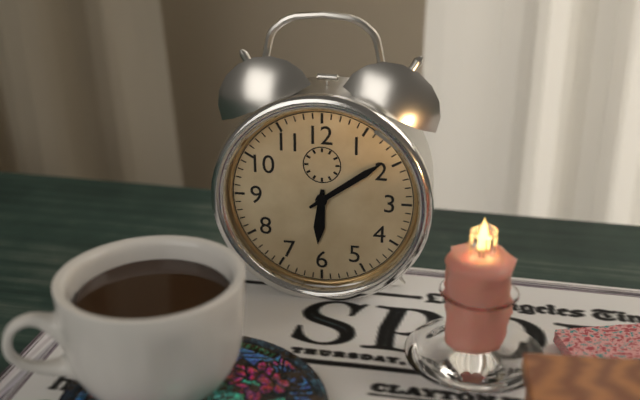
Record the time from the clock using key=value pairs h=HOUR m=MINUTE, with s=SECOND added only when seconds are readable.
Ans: h=6 m=9
